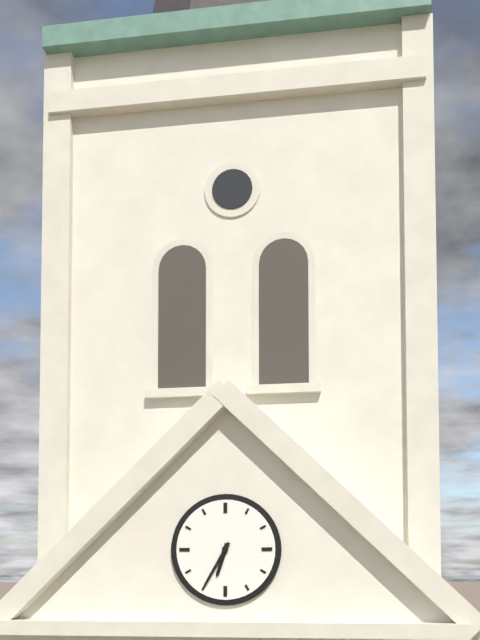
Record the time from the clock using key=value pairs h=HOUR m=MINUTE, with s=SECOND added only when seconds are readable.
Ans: h=6 m=35
